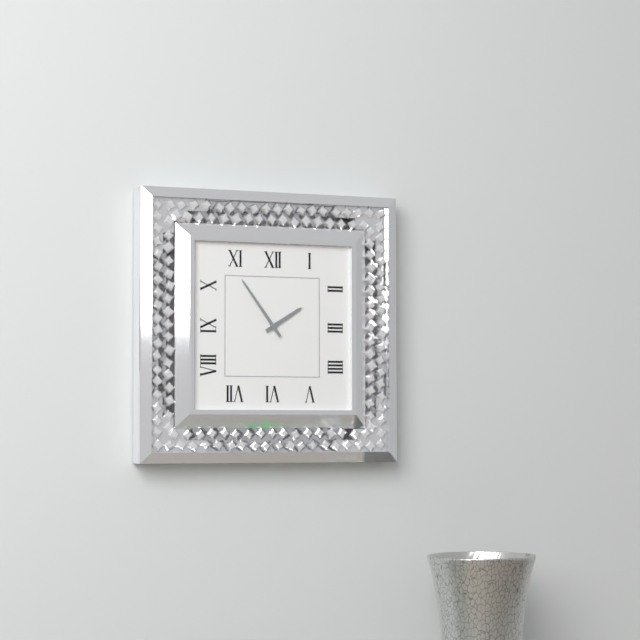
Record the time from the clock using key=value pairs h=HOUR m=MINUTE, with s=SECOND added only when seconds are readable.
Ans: h=1 m=54
